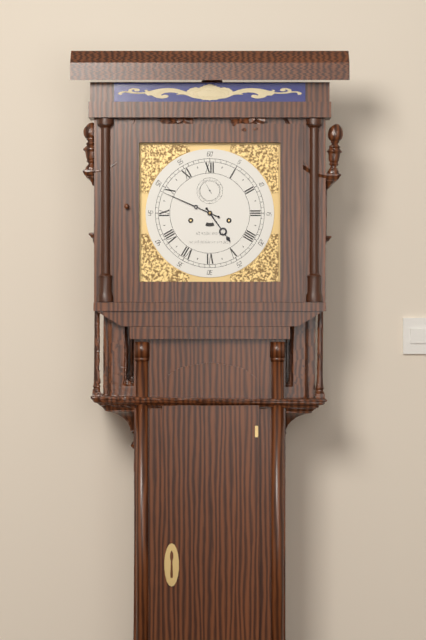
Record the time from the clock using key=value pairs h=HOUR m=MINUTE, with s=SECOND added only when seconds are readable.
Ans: h=4 m=49
